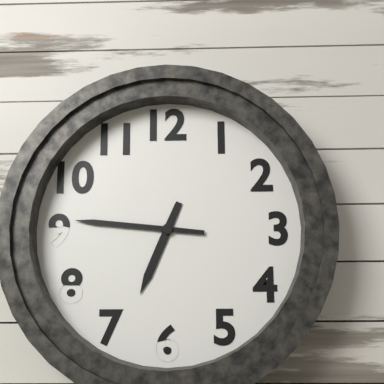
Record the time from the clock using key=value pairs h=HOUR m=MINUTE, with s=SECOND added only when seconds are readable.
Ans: h=6 m=46
